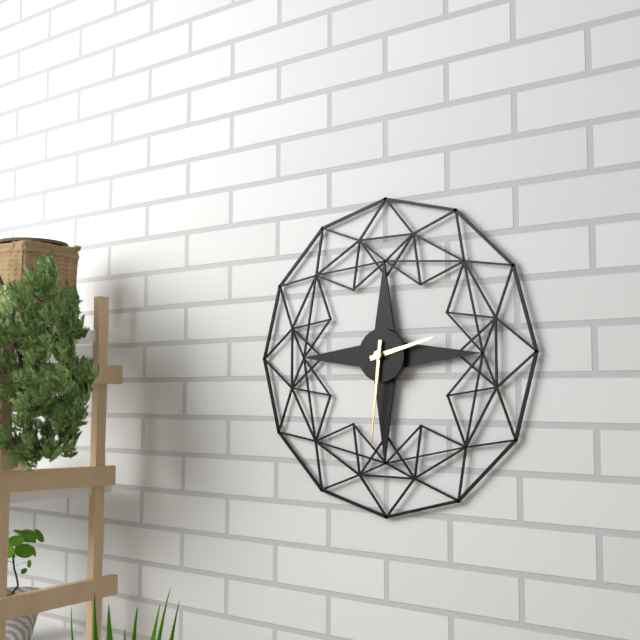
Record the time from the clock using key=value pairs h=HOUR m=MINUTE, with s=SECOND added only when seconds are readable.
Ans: h=2 m=31
